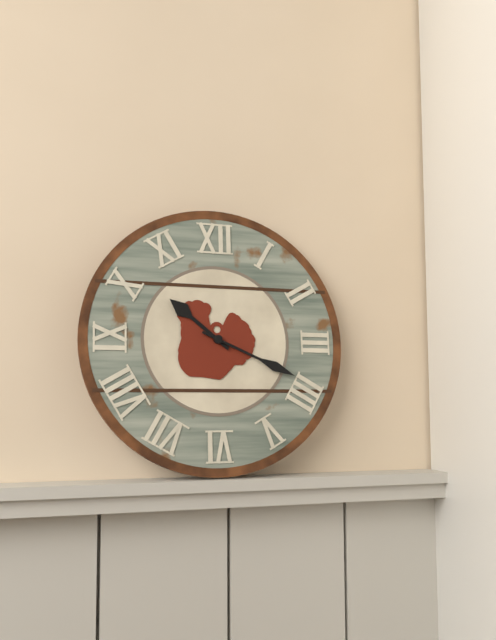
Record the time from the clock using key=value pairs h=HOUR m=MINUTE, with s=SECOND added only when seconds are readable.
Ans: h=10 m=19
